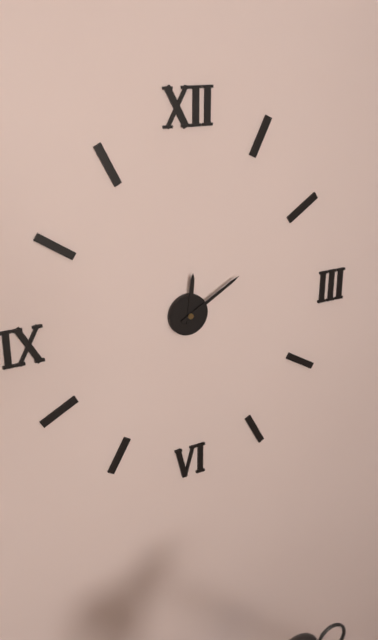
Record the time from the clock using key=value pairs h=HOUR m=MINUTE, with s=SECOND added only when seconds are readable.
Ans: h=12 m=10
